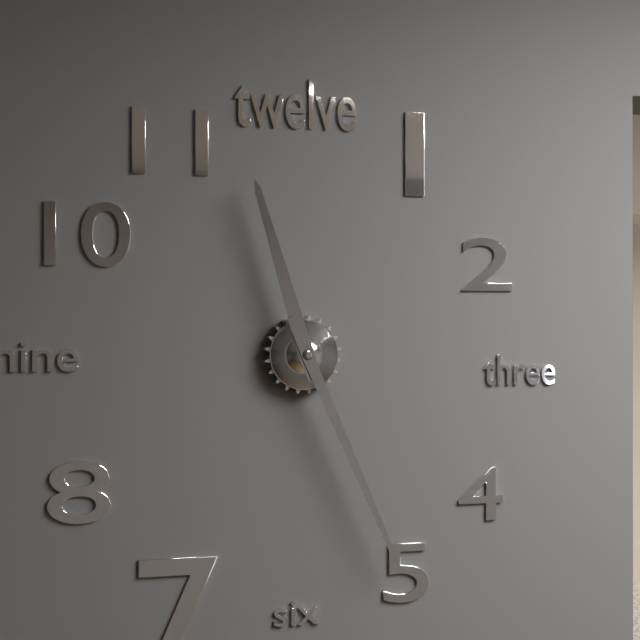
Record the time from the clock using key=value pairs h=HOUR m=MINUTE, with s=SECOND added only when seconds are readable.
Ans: h=11 m=26
